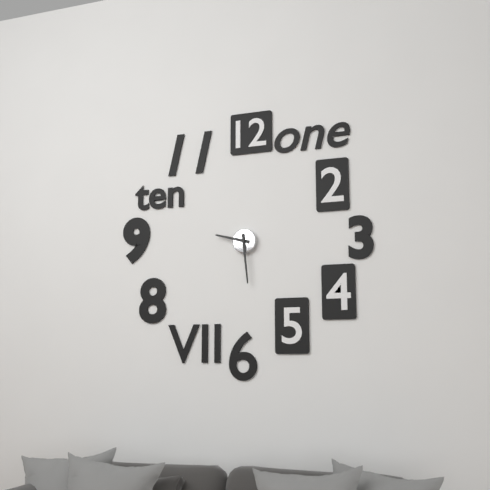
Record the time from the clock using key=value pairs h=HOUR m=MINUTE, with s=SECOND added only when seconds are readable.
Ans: h=9 m=29
